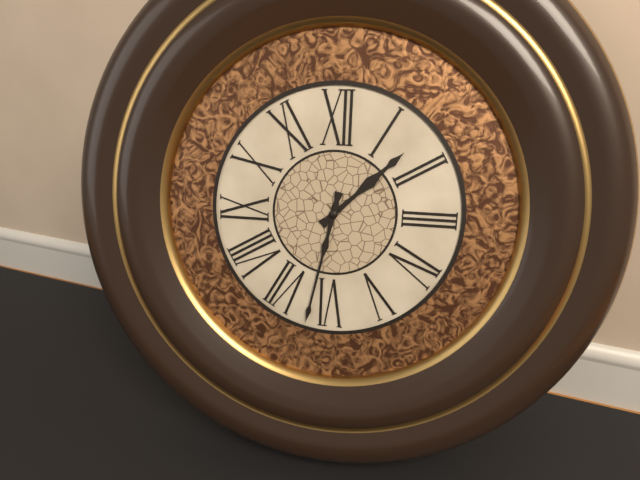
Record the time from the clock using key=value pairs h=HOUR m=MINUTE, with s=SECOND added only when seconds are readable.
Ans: h=1 m=32
